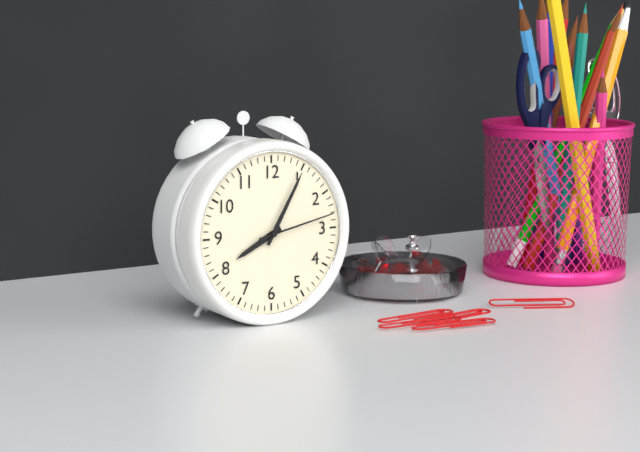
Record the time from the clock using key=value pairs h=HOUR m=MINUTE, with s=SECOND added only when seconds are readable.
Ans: h=8 m=5 s=13
